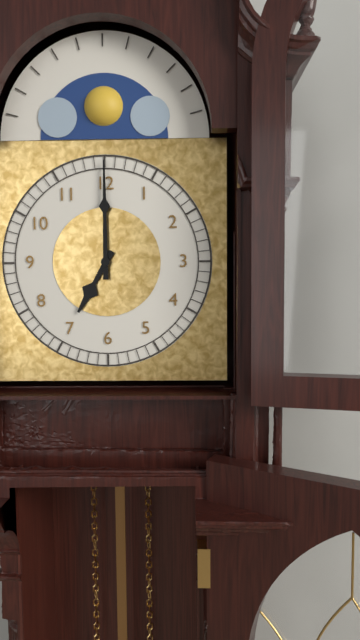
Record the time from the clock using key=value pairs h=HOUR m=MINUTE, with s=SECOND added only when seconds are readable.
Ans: h=7 m=0
